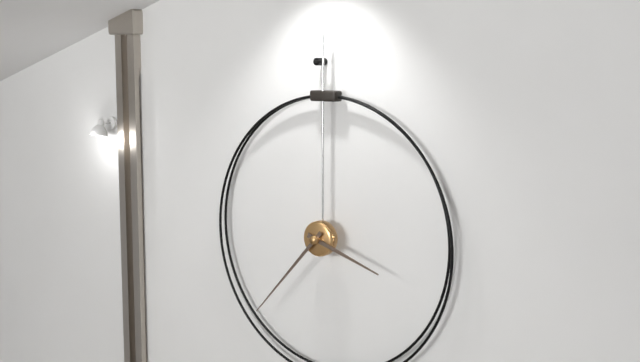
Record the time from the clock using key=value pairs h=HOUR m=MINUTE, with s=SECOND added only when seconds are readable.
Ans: h=3 m=37
